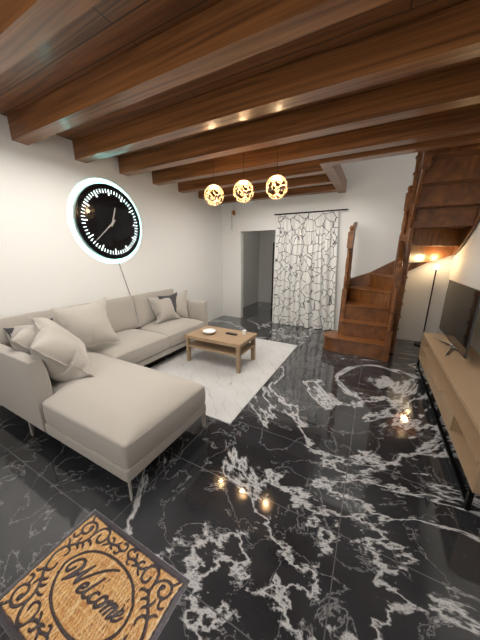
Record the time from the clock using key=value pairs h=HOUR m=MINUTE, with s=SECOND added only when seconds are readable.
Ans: h=12 m=38
